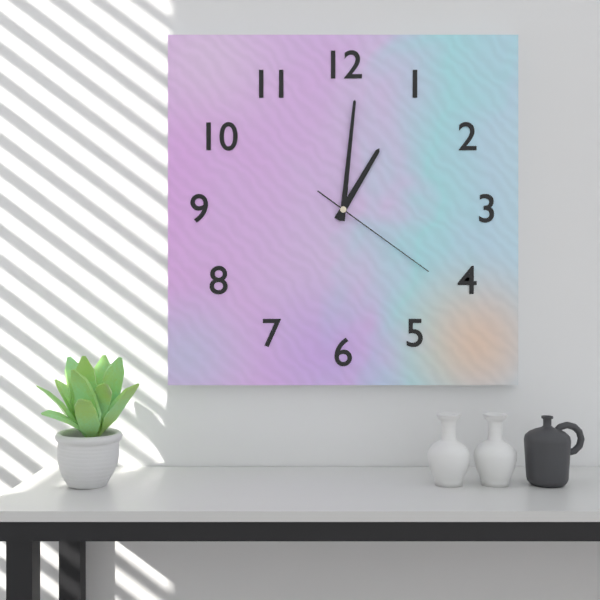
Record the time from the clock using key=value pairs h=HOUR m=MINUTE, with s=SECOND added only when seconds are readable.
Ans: h=1 m=1 s=21
